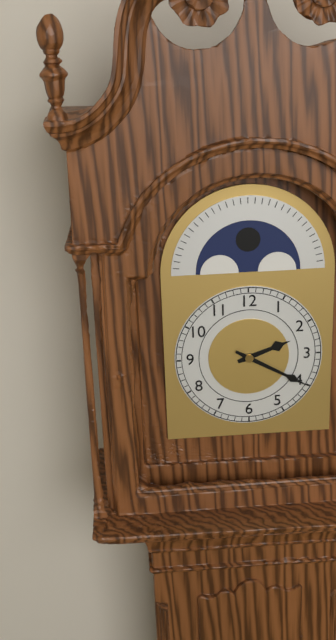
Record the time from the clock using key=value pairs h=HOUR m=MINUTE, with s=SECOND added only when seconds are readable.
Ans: h=2 m=20
